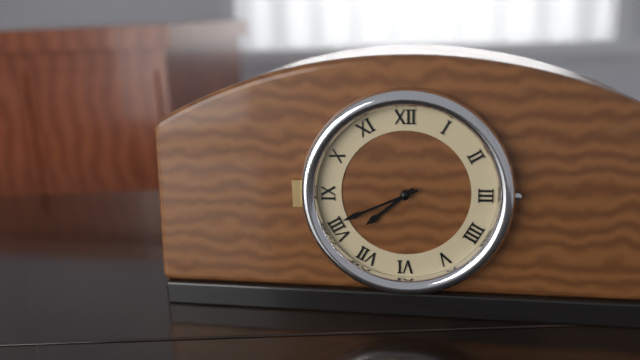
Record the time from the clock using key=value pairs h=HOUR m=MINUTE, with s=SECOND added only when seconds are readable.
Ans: h=7 m=41
